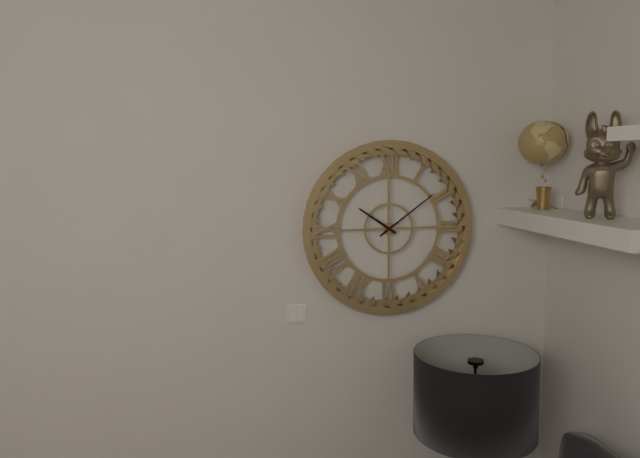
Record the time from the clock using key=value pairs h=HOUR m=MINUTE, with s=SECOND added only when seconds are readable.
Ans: h=10 m=9
